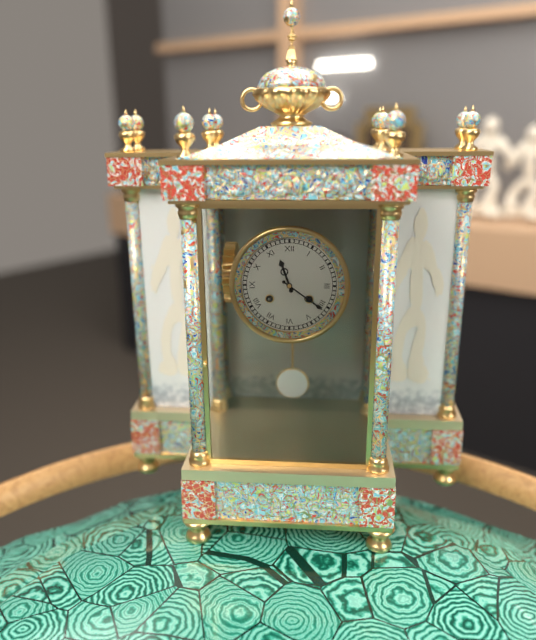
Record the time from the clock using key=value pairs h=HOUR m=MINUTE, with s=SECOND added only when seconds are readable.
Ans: h=11 m=21
